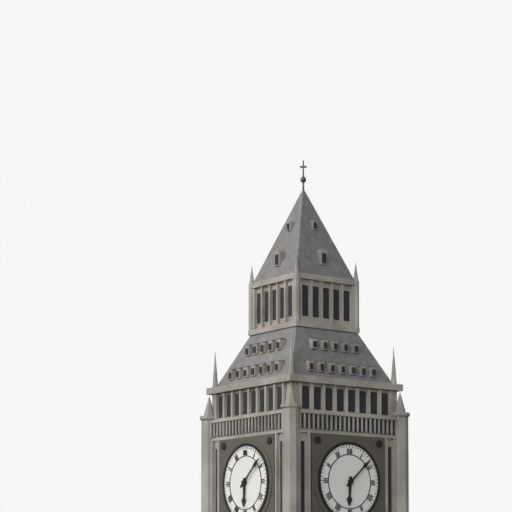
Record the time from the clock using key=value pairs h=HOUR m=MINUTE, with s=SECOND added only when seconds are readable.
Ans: h=6 m=8
